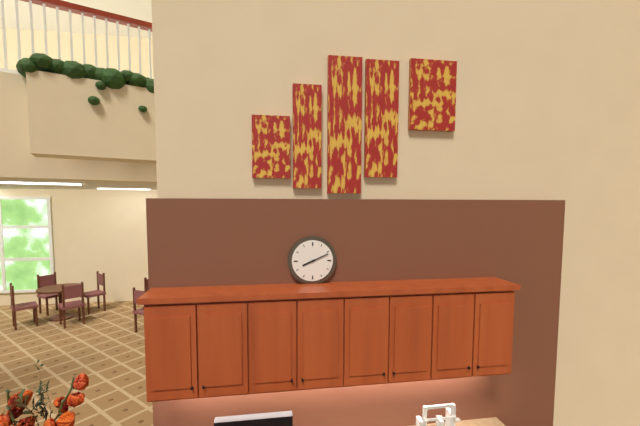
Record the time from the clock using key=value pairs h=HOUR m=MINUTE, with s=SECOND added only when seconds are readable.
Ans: h=8 m=11
